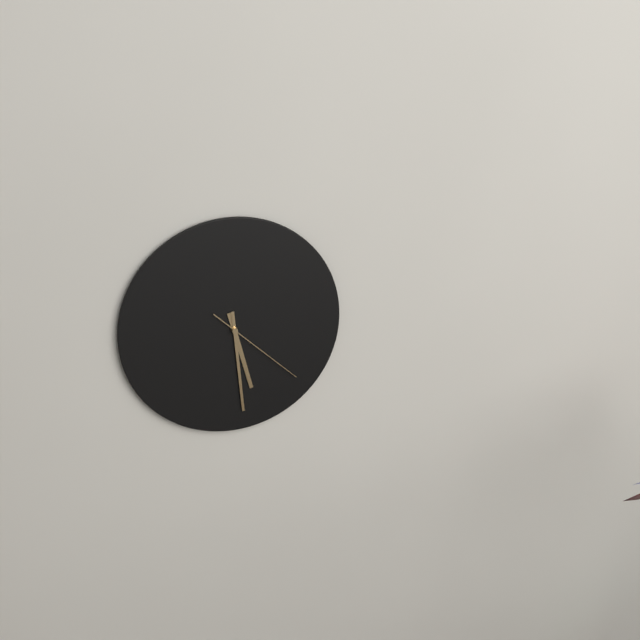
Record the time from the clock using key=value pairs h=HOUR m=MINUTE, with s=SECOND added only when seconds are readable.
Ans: h=5 m=29 s=22
